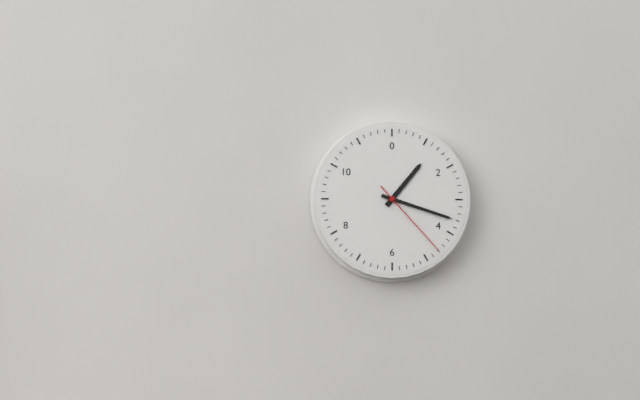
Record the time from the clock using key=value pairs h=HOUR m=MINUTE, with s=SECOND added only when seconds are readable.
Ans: h=1 m=18 s=23
